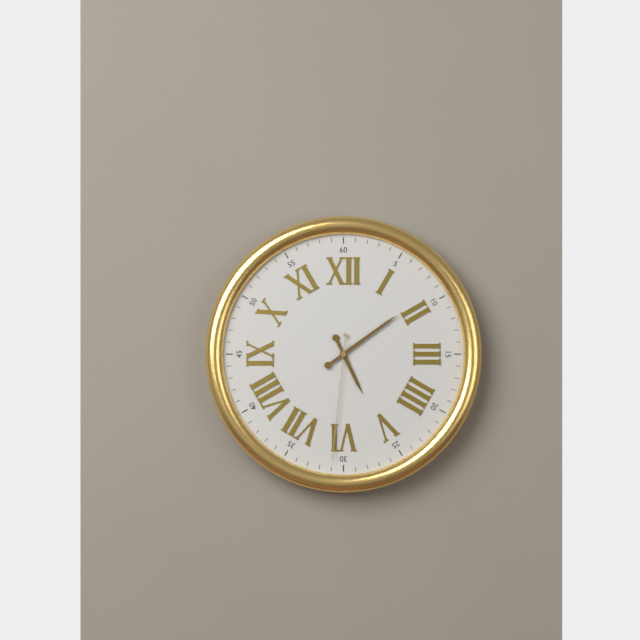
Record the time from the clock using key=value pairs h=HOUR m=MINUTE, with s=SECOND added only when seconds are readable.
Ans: h=5 m=9 s=31
